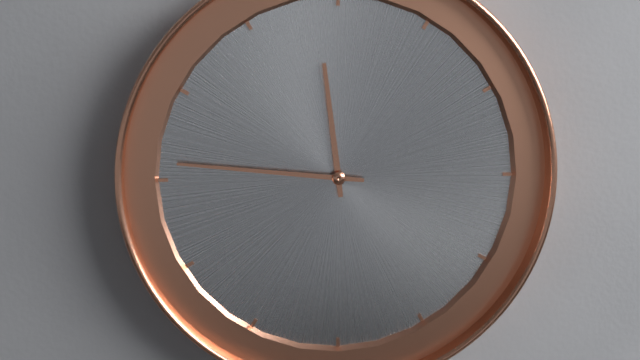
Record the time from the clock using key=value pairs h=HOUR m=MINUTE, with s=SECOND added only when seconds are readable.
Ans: h=11 m=46
